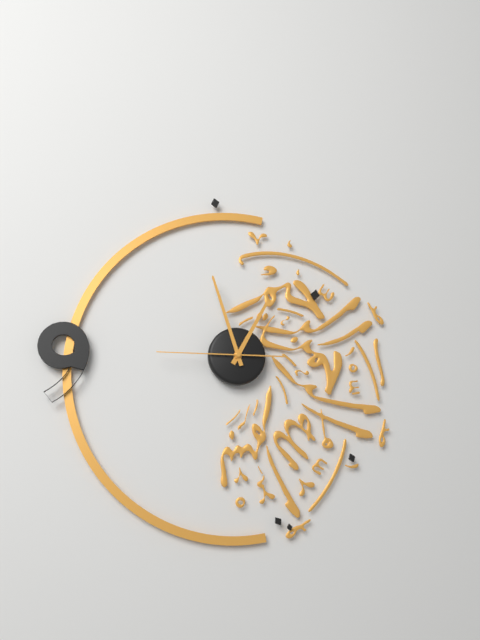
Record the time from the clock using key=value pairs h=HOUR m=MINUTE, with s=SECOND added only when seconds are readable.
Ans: h=12 m=57 s=45
